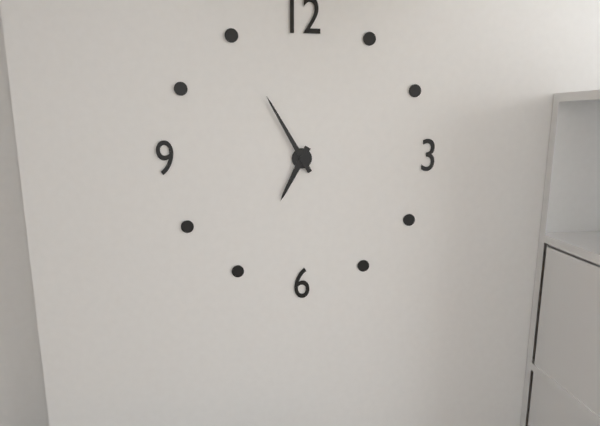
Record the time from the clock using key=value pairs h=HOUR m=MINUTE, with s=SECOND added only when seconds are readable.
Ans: h=6 m=55
